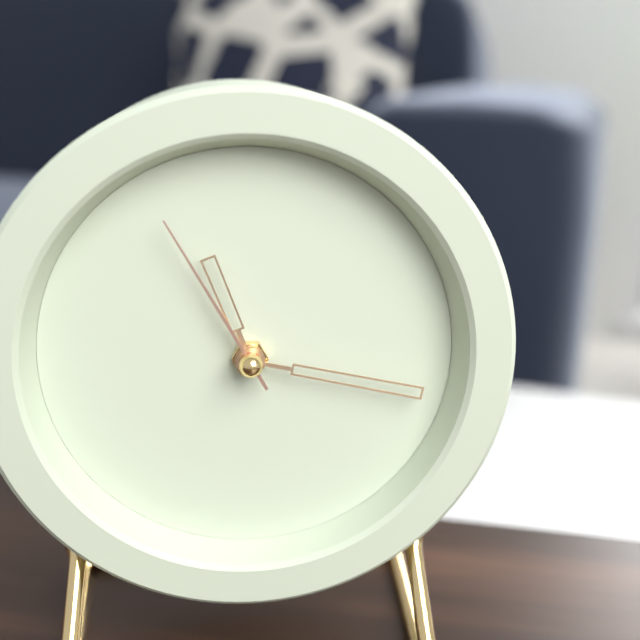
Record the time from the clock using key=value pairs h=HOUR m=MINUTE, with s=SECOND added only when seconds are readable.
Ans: h=11 m=17 s=55
